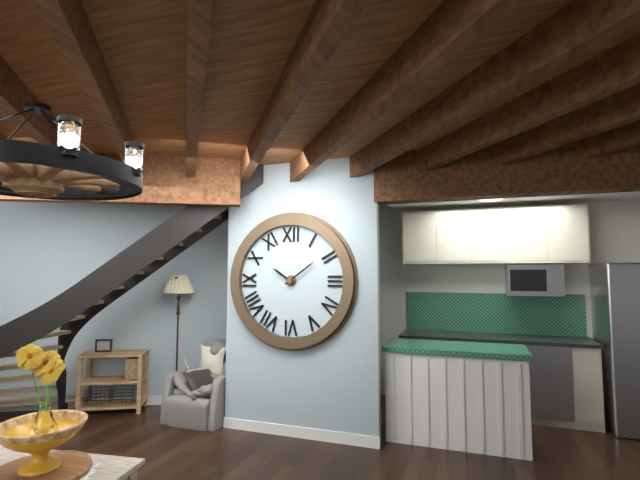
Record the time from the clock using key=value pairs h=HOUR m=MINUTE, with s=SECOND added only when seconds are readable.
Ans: h=10 m=9
